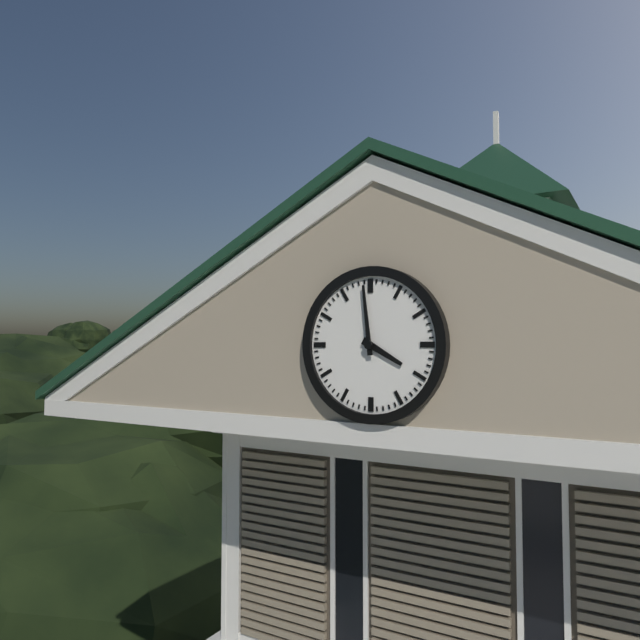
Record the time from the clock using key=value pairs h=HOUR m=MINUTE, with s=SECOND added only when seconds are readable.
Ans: h=3 m=59
